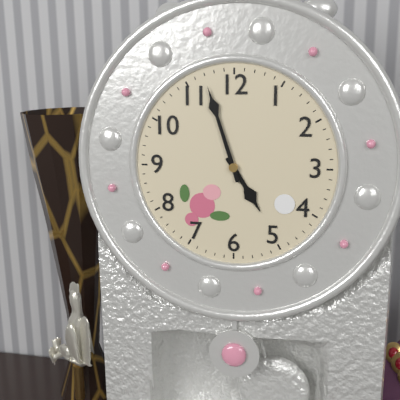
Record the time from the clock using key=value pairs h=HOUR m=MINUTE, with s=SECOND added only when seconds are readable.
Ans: h=4 m=57
